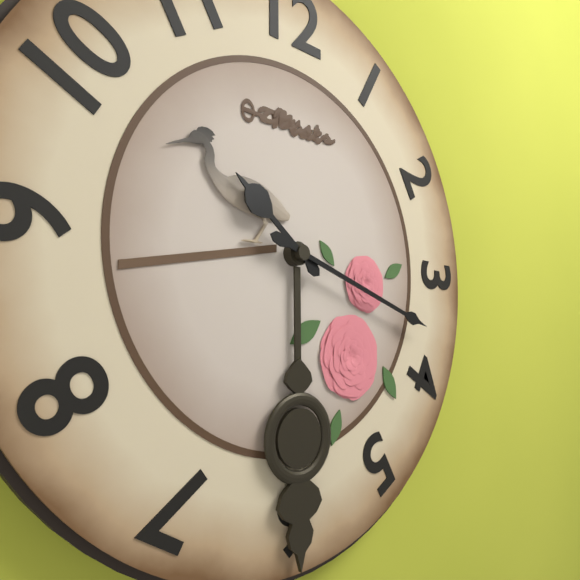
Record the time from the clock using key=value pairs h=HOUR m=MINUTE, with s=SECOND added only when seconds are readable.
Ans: h=10 m=18
